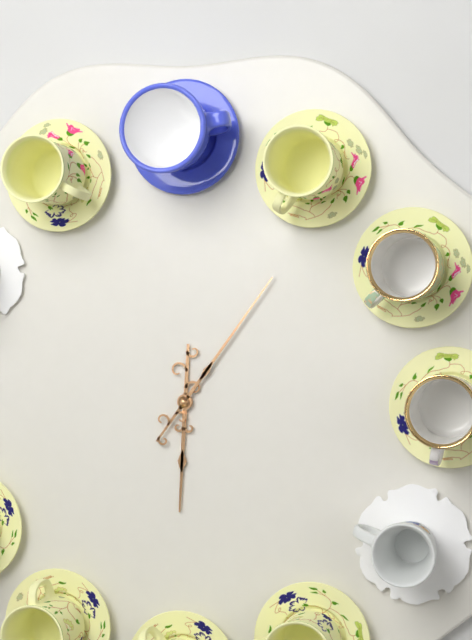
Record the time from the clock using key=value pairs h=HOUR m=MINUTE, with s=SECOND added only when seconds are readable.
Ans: h=6 m=6
